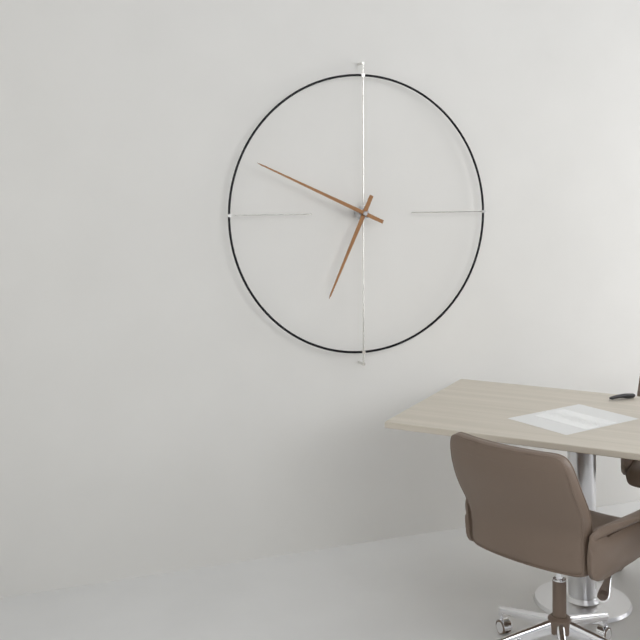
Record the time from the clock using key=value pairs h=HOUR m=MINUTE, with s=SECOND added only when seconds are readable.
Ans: h=6 m=49
